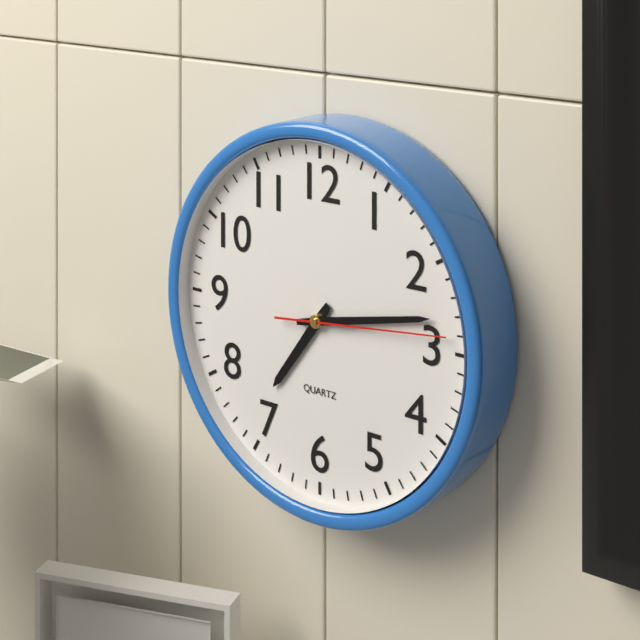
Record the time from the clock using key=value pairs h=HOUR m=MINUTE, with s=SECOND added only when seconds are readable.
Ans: h=7 m=13 s=14
